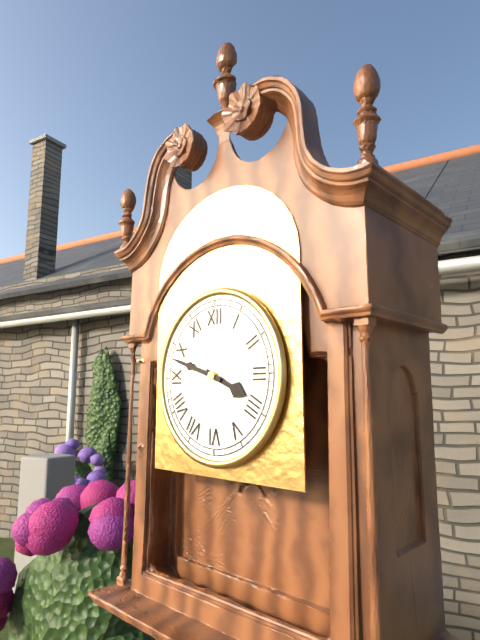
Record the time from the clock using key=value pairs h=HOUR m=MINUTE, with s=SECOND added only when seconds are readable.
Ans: h=3 m=48
